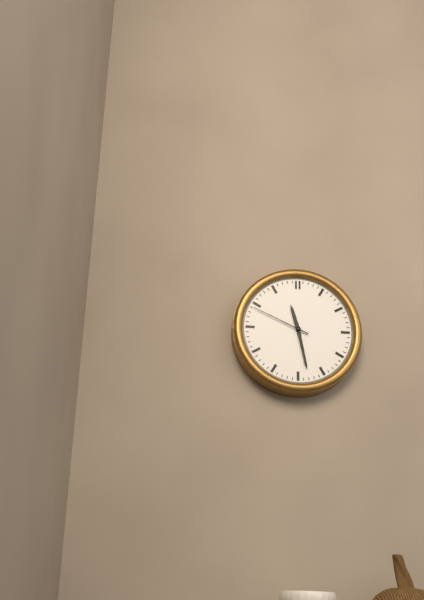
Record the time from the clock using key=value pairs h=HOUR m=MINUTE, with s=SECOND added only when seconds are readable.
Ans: h=11 m=28 s=49
